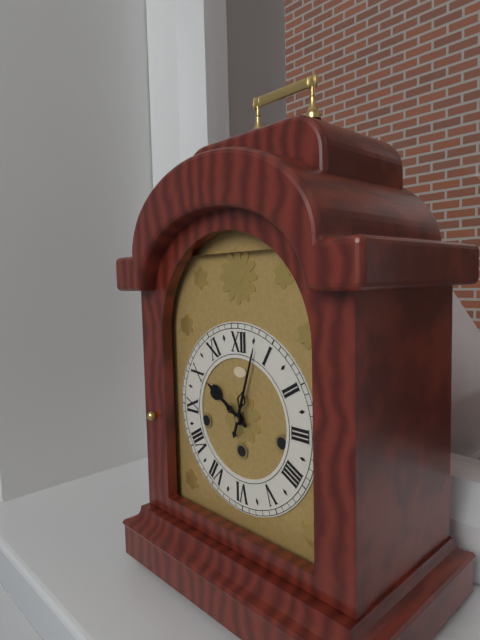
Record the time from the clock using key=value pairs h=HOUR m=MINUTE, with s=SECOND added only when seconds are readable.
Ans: h=10 m=3
